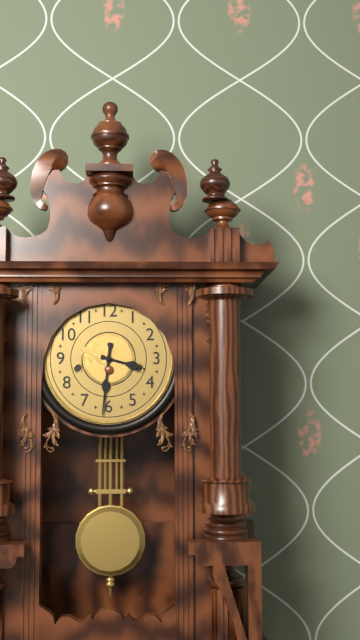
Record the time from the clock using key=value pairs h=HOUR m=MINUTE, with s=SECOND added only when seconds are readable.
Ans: h=3 m=31
